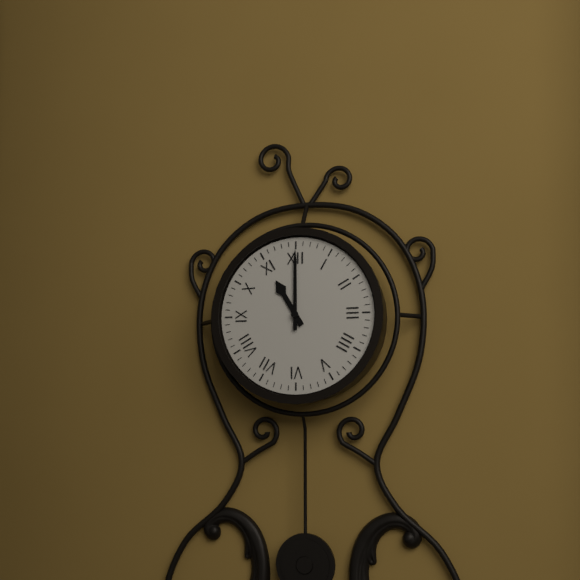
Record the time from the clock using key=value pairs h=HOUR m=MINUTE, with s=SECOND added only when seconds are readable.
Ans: h=11 m=0
